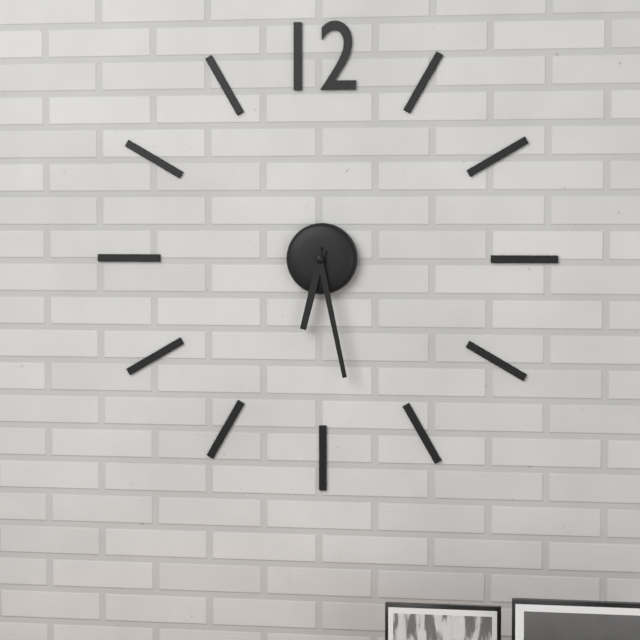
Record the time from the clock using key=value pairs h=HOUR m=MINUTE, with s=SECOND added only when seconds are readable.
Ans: h=6 m=28
